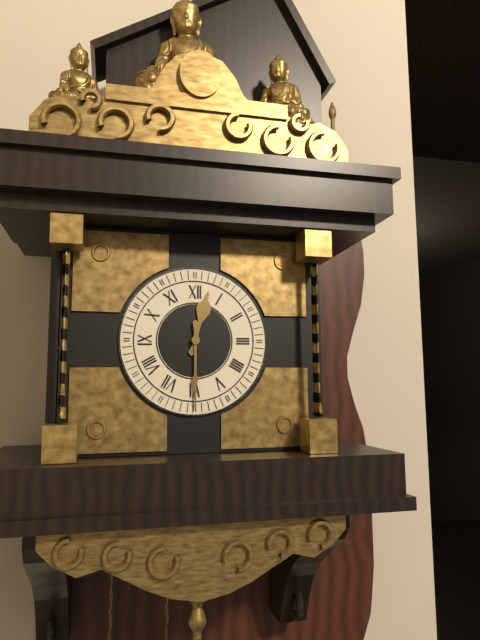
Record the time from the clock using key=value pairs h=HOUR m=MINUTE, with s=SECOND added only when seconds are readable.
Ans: h=12 m=30
